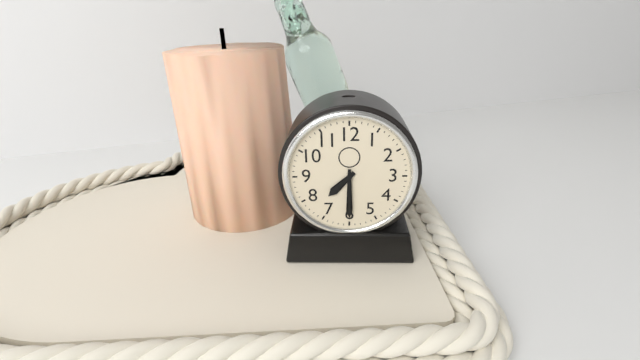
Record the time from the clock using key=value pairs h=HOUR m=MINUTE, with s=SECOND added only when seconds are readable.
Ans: h=7 m=30
